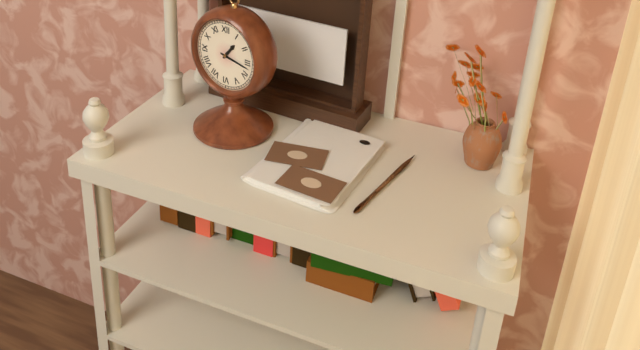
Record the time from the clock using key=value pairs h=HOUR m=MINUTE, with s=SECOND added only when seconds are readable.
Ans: h=1 m=17
